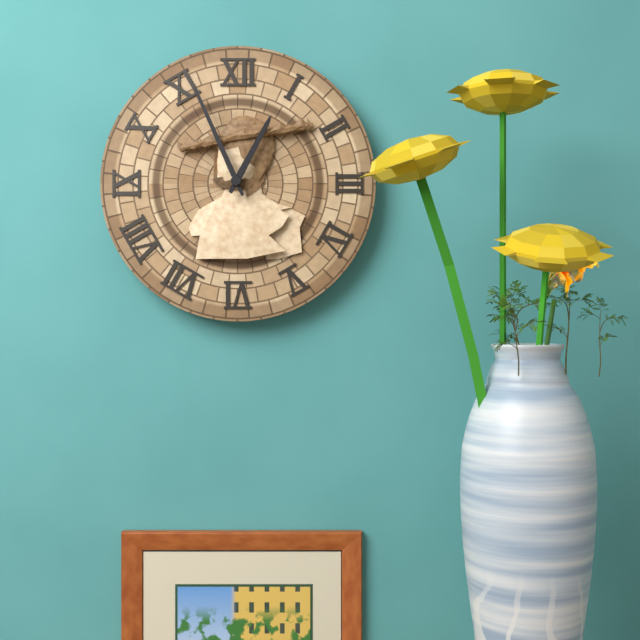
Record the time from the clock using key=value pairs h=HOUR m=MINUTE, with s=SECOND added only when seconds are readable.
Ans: h=12 m=56
